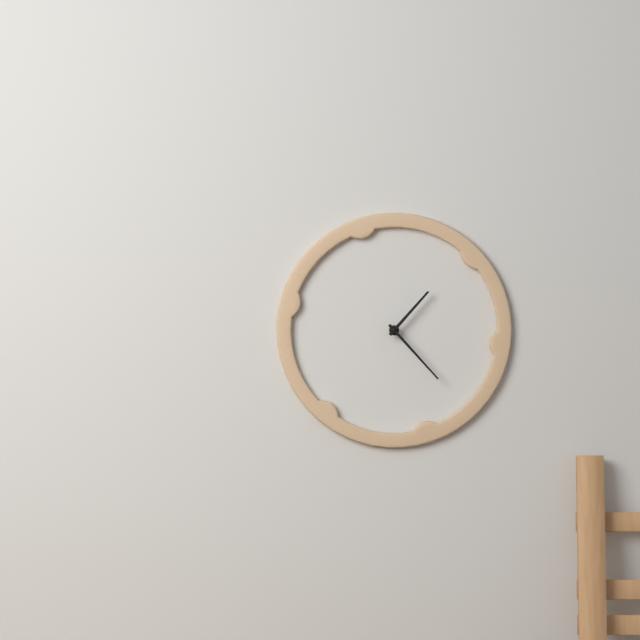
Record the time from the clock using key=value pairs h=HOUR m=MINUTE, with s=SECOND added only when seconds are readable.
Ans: h=1 m=23
